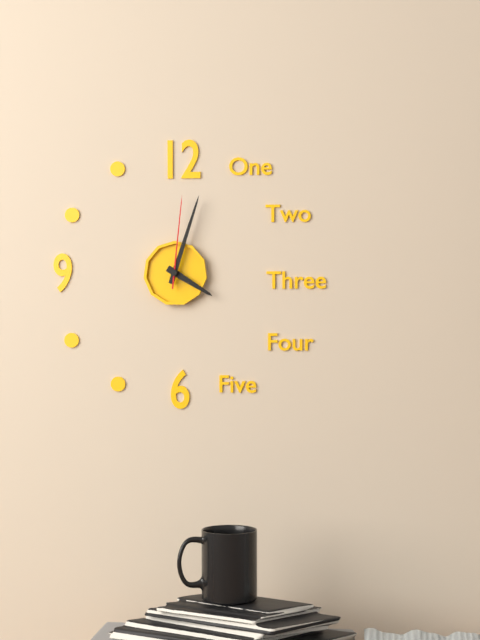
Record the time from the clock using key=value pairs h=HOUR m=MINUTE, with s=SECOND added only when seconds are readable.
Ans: h=4 m=3 s=1
